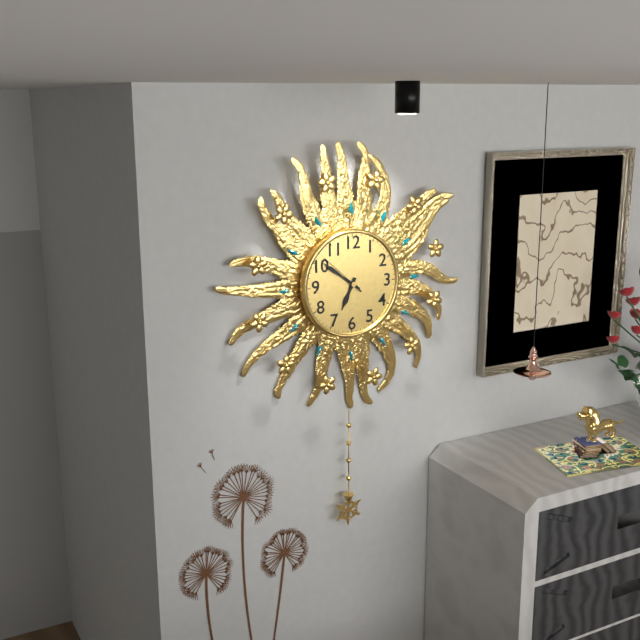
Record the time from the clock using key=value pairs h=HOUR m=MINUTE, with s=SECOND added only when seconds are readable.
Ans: h=6 m=51
